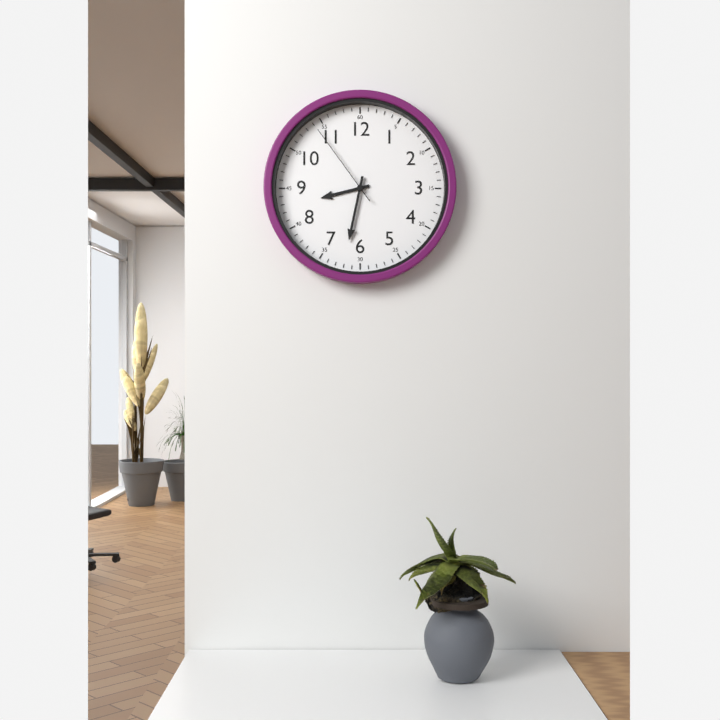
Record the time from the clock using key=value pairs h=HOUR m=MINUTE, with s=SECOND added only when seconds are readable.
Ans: h=8 m=32 s=54
